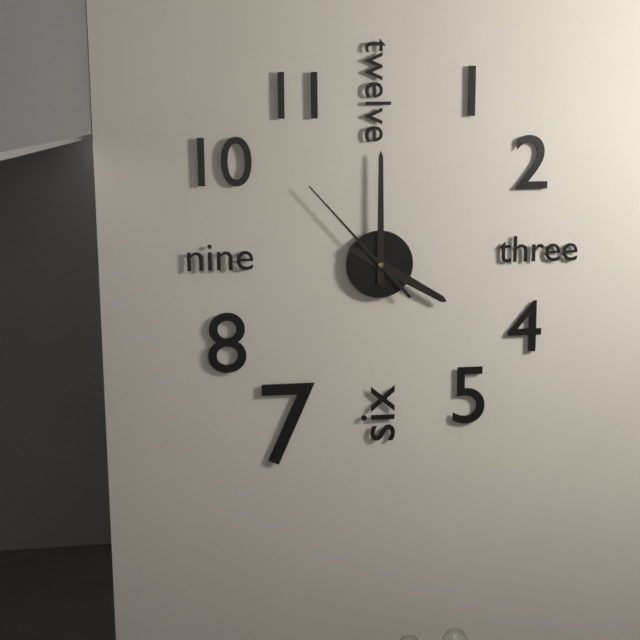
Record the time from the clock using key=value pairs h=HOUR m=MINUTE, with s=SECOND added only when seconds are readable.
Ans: h=4 m=0 s=53
